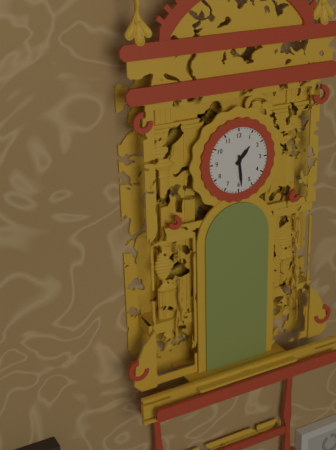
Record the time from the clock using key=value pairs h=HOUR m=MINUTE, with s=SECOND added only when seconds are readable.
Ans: h=1 m=29
